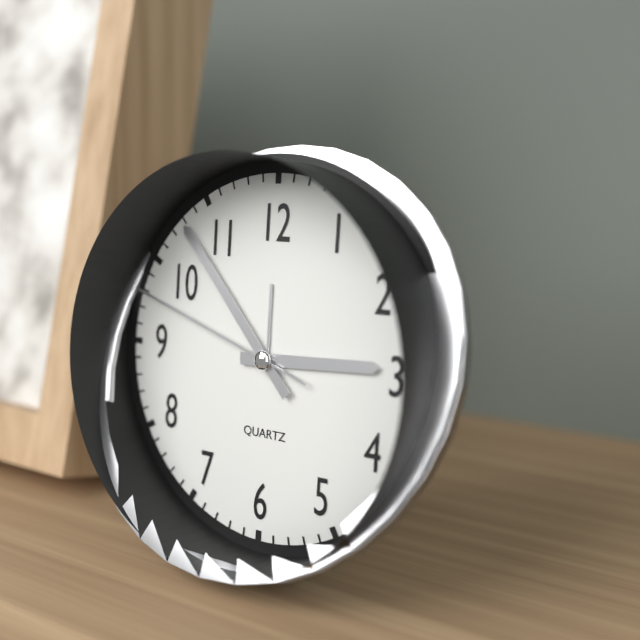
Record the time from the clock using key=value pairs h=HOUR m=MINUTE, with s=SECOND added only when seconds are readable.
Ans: h=2 m=53 s=48
